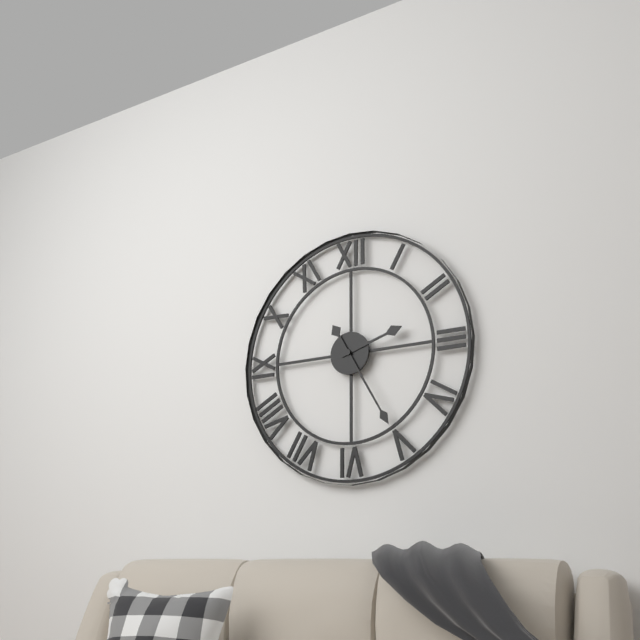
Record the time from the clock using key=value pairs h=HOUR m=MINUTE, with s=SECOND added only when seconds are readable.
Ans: h=2 m=25
